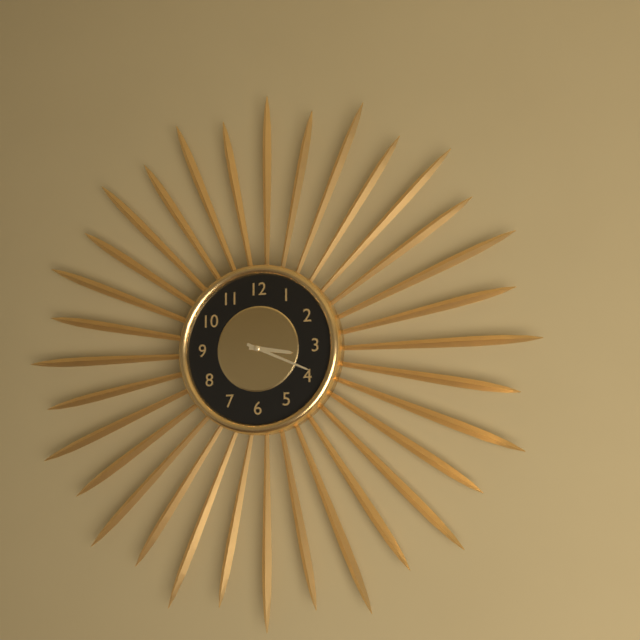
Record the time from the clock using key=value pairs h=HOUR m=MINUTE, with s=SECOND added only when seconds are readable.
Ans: h=3 m=19
